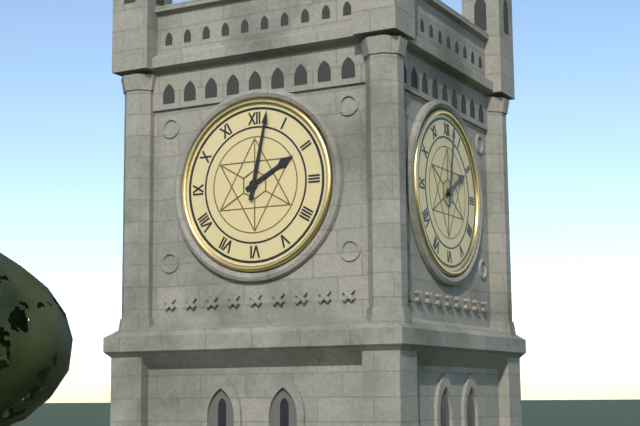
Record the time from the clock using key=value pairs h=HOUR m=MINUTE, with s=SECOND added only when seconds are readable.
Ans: h=2 m=2
